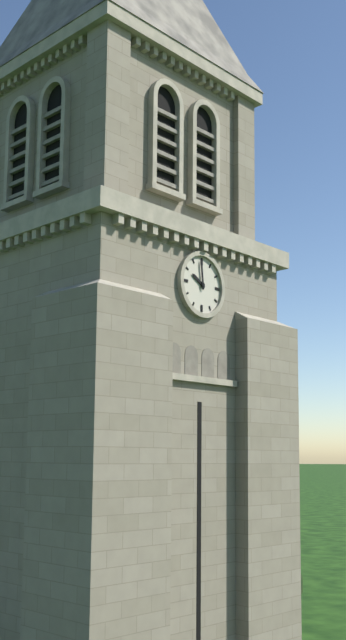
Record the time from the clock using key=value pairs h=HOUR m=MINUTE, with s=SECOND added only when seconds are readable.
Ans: h=9 m=59
